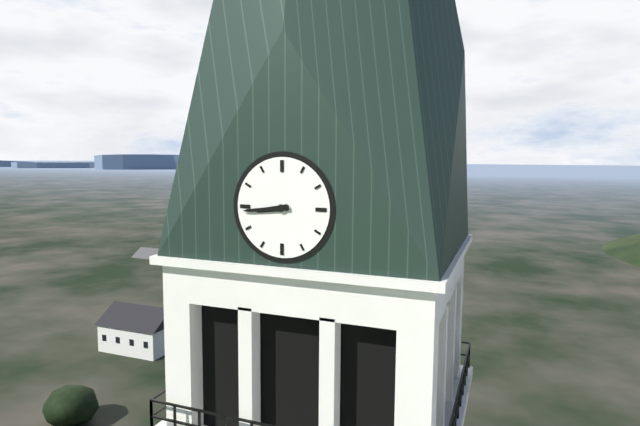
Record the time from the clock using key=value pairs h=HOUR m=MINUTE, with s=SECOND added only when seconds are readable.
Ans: h=8 m=44
